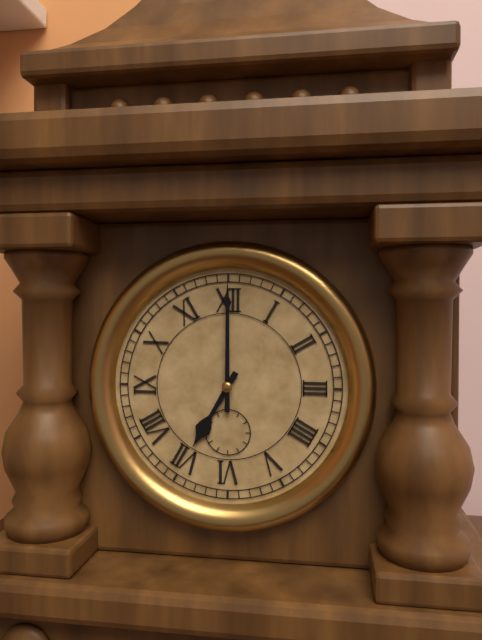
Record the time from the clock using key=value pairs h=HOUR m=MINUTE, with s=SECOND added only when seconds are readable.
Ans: h=7 m=0
